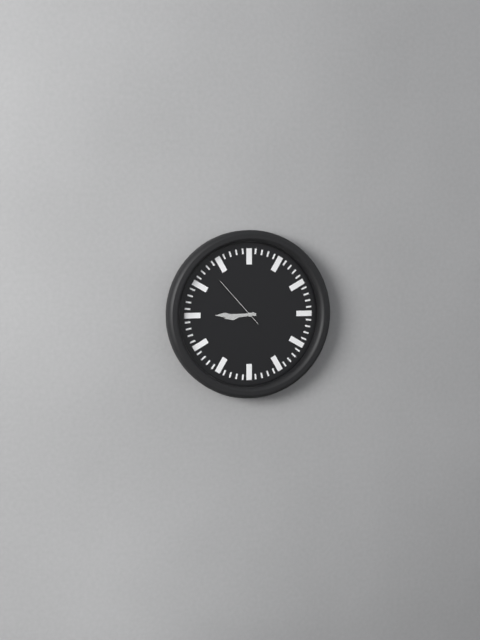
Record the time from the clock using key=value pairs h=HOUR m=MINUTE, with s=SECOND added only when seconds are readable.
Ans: h=8 m=45 s=53
